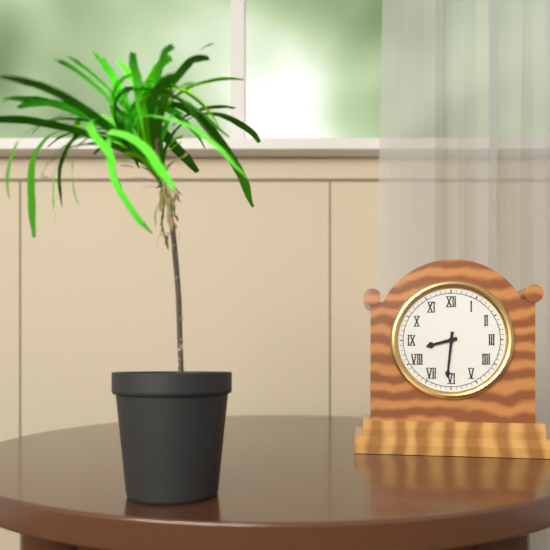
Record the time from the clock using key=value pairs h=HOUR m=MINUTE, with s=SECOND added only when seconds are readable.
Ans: h=8 m=31
